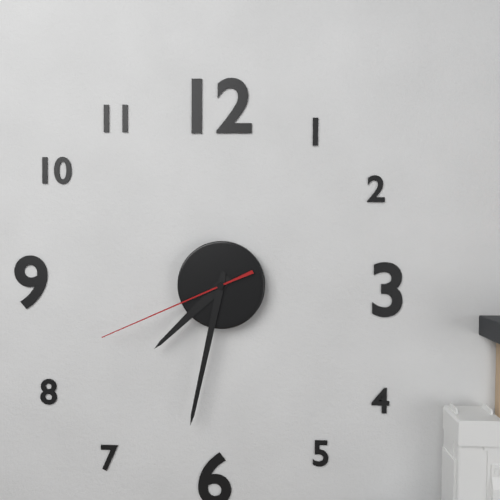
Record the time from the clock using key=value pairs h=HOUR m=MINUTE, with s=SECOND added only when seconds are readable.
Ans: h=7 m=32 s=41
